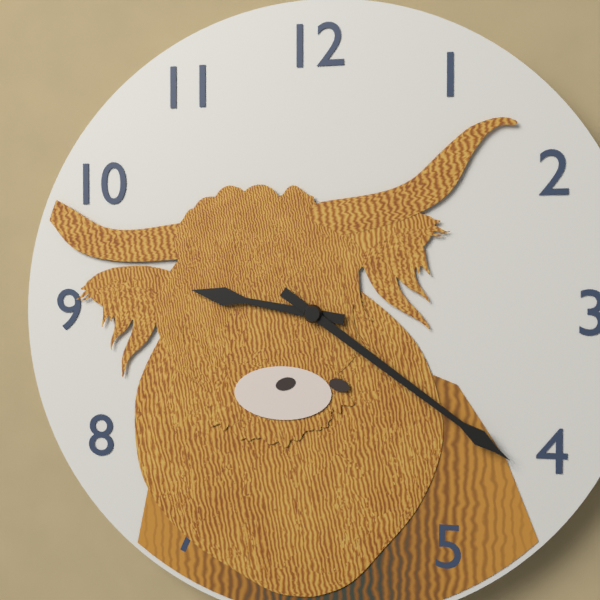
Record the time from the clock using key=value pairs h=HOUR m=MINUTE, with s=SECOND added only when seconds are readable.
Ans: h=9 m=21
